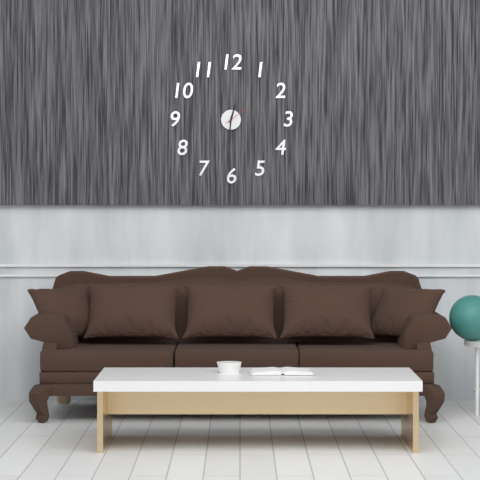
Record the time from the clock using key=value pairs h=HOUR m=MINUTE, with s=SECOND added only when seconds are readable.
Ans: h=12 m=31
